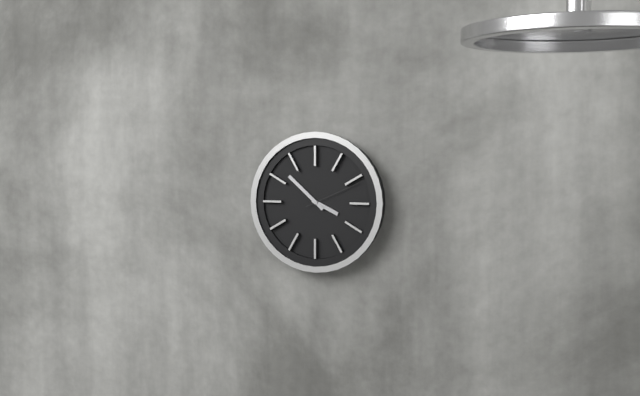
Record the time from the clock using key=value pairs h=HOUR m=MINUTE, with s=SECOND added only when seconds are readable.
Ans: h=3 m=52 s=11
